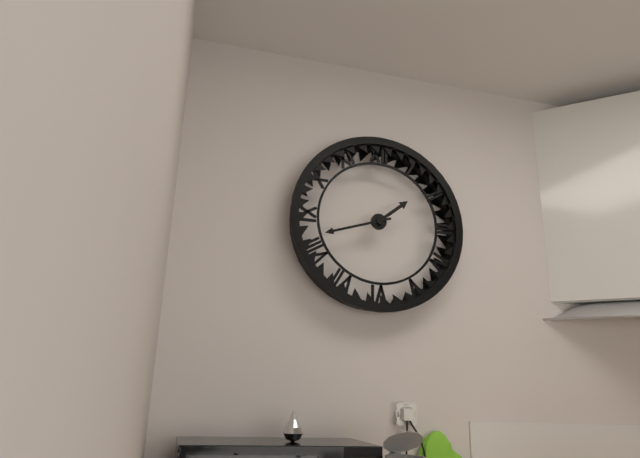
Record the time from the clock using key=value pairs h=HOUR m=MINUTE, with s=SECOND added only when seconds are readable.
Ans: h=1 m=42
